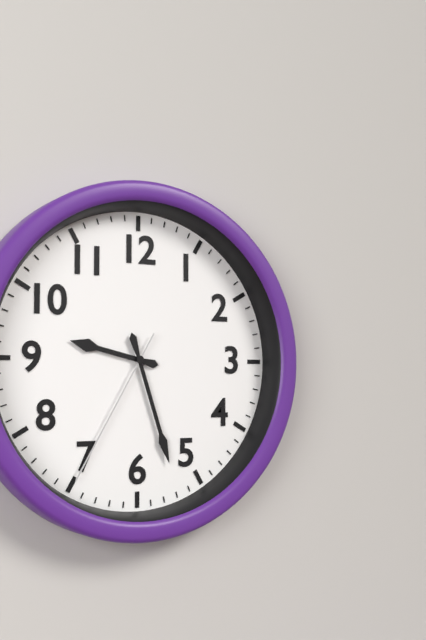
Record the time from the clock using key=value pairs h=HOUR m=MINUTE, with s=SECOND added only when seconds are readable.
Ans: h=9 m=27 s=35
